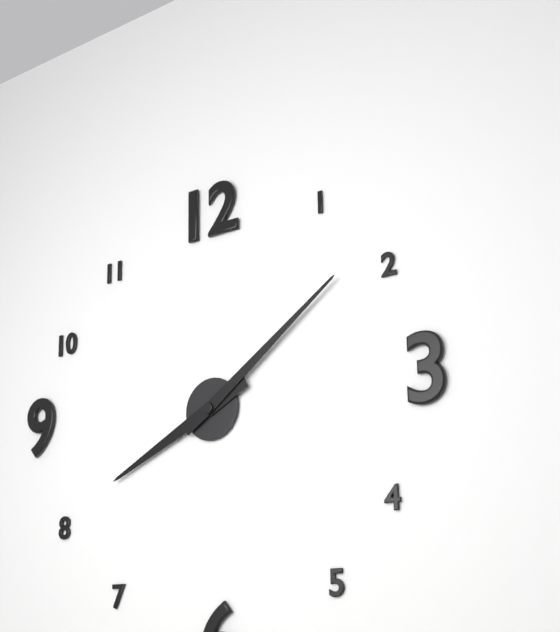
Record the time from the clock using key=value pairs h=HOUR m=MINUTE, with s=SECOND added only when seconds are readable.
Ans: h=8 m=9
